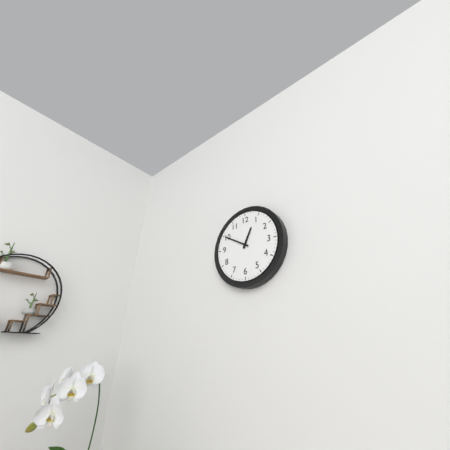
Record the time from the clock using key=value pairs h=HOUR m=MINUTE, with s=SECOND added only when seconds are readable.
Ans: h=12 m=50
